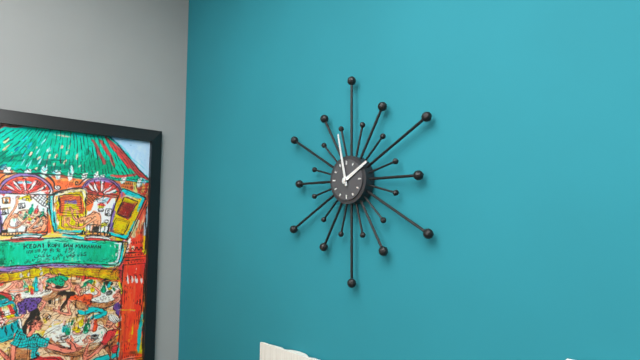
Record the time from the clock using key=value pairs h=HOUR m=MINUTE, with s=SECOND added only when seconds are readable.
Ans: h=1 m=58
